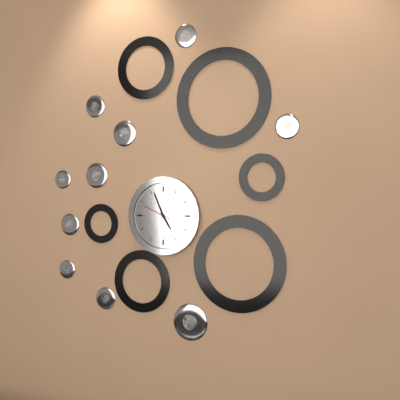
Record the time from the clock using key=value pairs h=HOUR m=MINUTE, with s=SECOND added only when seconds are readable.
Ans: h=4 m=56
